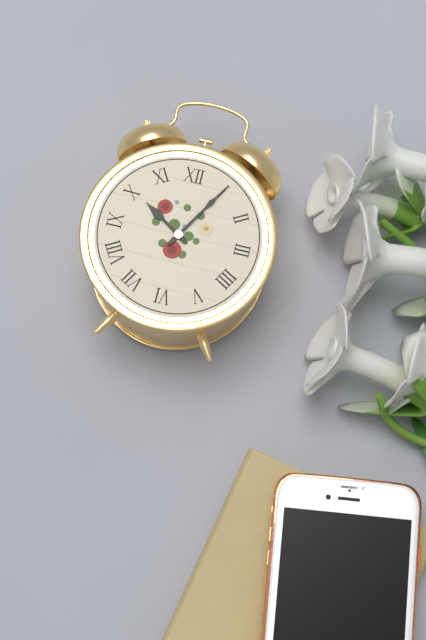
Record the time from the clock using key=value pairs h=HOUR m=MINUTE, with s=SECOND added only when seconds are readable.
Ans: h=10 m=5
